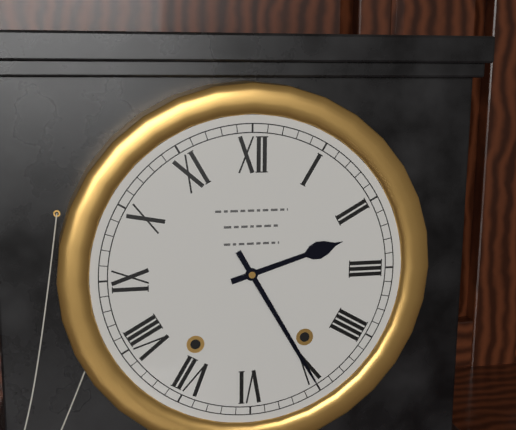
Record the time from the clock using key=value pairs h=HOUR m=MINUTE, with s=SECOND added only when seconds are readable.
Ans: h=2 m=25
